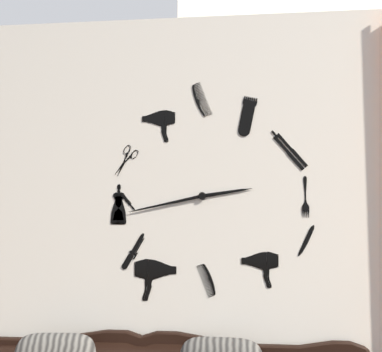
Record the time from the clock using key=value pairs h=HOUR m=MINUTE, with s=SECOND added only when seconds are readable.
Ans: h=2 m=43
